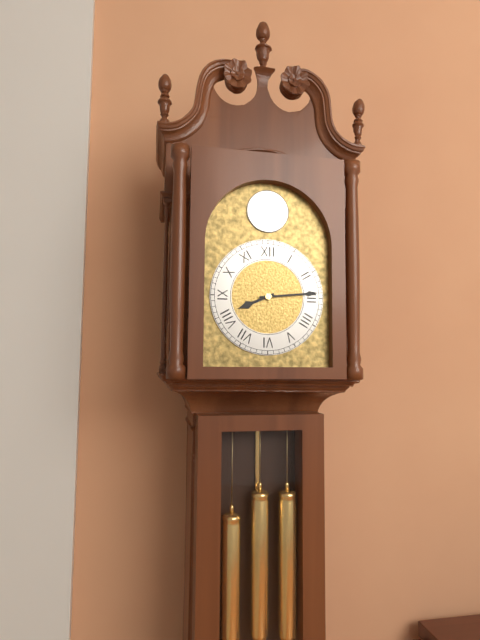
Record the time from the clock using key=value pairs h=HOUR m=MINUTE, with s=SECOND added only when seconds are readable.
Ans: h=8 m=14
